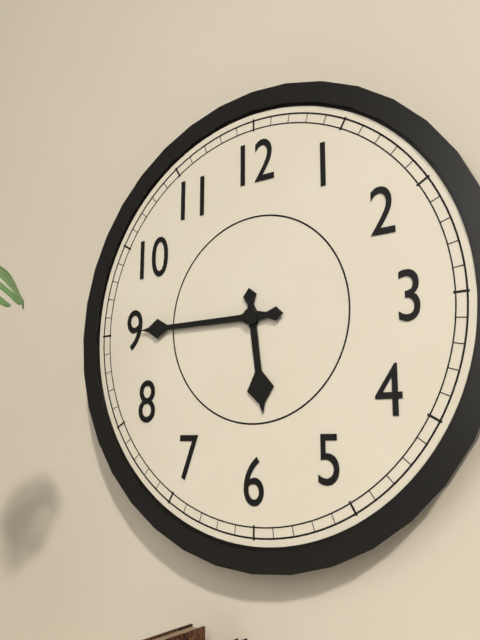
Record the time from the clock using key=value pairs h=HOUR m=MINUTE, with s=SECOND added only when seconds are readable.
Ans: h=5 m=45
